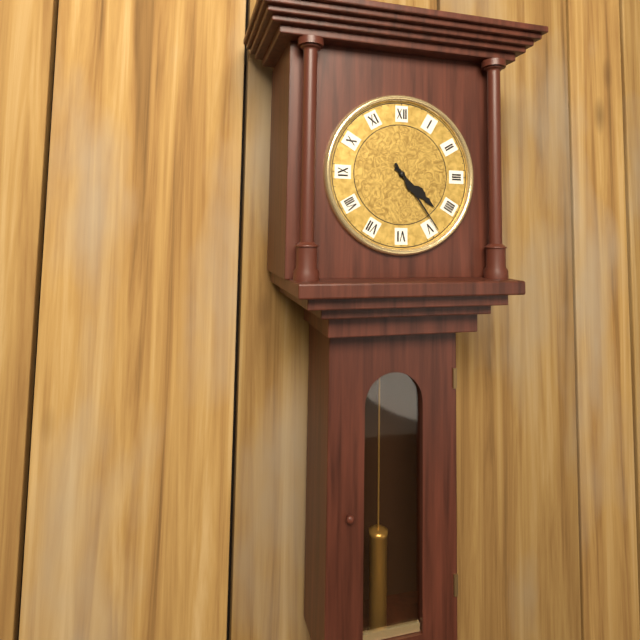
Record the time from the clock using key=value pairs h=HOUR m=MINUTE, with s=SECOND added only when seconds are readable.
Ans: h=4 m=24
